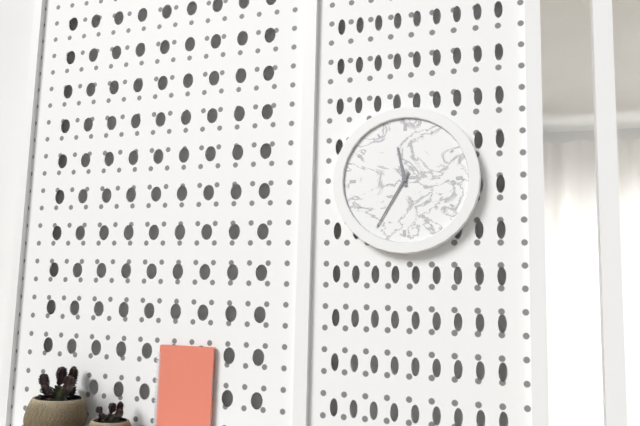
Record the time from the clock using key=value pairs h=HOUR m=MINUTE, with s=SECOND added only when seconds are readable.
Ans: h=11 m=35
